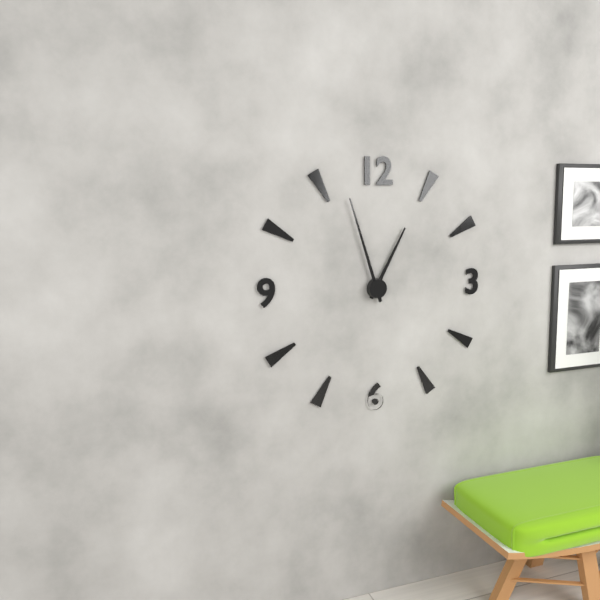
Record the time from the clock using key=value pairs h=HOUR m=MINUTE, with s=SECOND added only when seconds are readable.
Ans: h=12 m=57
